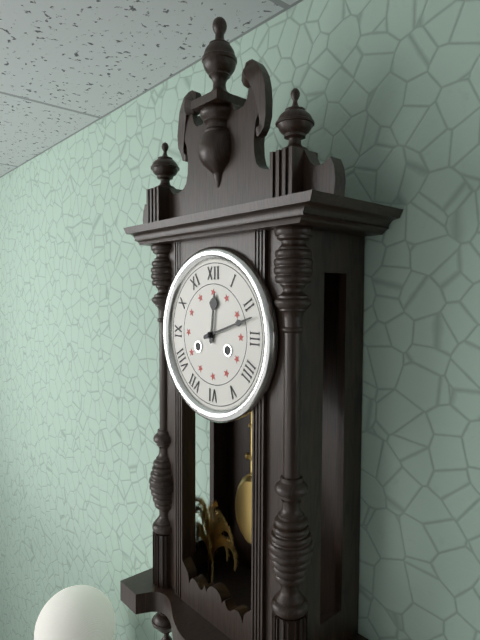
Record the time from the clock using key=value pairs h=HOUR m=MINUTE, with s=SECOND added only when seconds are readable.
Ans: h=12 m=12
